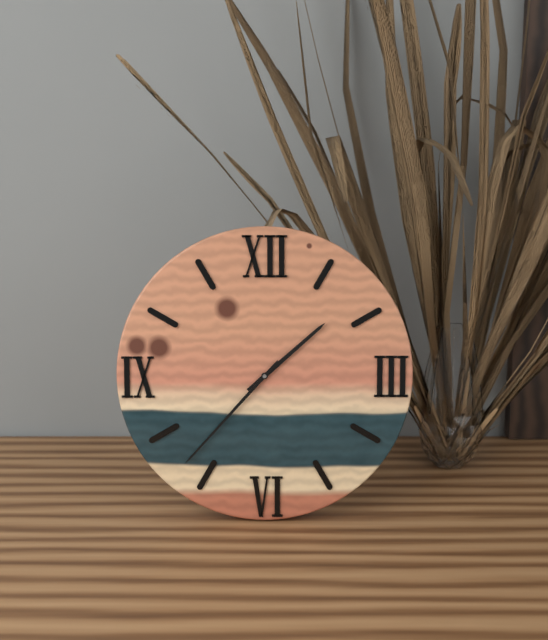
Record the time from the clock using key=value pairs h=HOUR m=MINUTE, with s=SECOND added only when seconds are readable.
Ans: h=1 m=37
